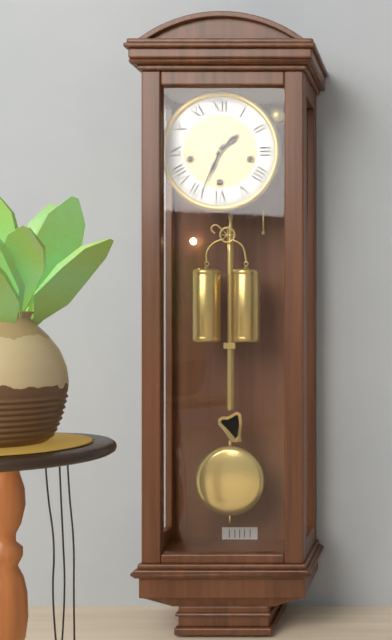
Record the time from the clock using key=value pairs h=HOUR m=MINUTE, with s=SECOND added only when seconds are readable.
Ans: h=1 m=34
